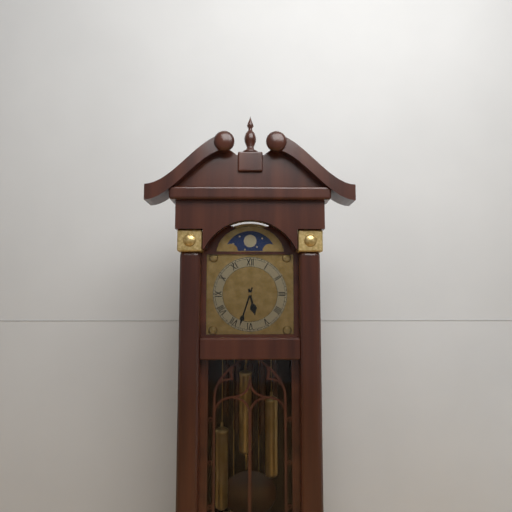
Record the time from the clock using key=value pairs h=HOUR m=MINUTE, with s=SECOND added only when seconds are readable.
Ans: h=5 m=33
